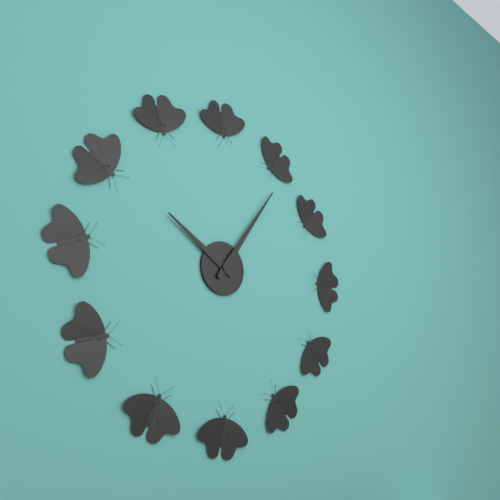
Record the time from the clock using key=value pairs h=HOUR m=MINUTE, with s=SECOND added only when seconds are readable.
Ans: h=10 m=6
